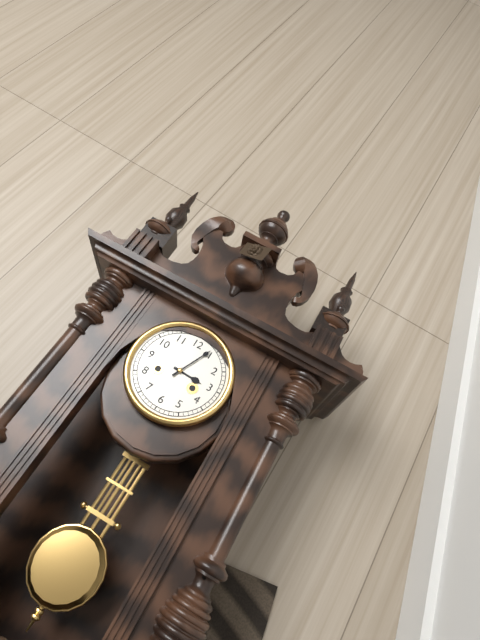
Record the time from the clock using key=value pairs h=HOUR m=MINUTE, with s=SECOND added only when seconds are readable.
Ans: h=3 m=4
